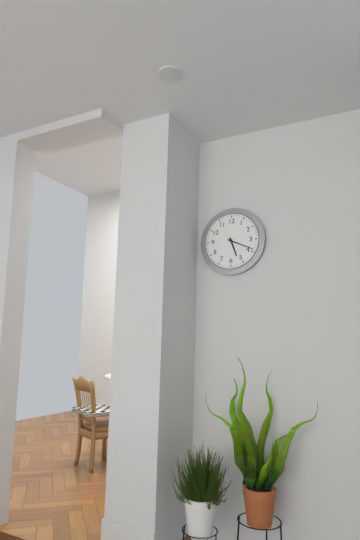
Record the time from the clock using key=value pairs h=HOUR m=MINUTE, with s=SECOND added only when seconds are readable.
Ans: h=5 m=19
